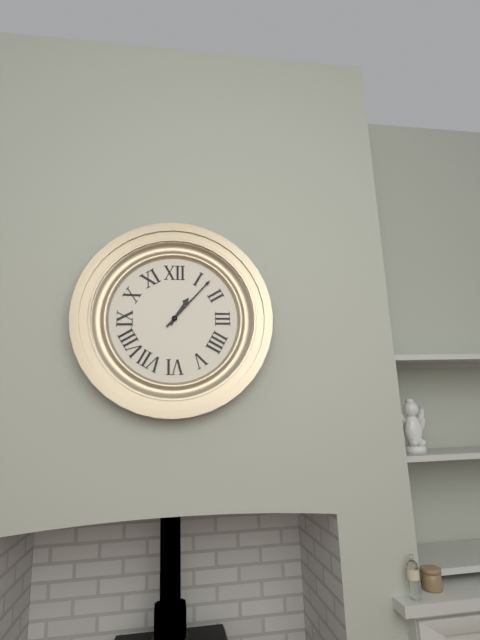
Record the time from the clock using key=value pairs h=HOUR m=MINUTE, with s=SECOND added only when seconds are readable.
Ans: h=1 m=7
